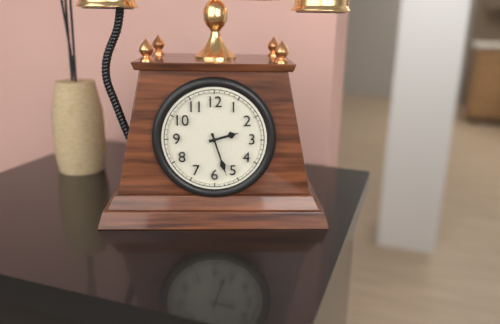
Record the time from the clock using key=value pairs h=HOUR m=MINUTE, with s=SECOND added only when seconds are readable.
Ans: h=2 m=27
